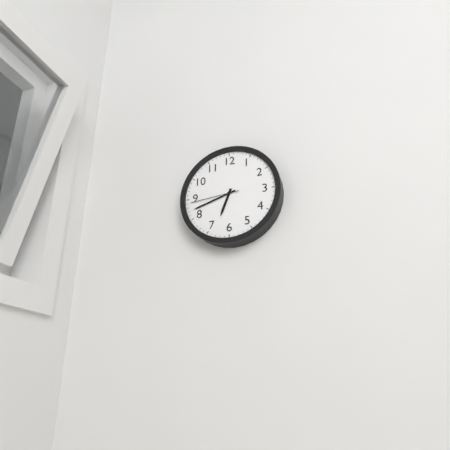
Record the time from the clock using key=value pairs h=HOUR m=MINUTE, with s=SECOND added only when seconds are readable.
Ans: h=6 m=42
